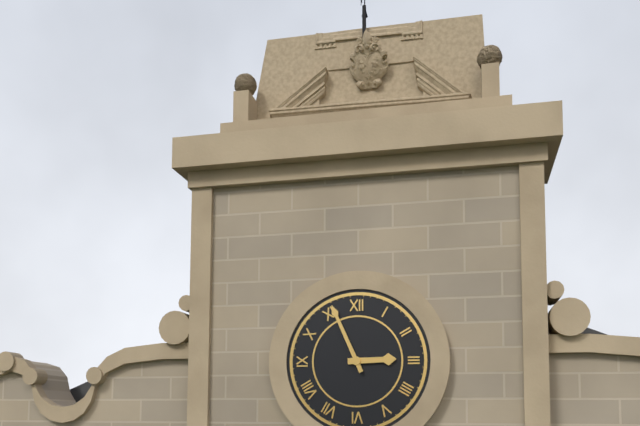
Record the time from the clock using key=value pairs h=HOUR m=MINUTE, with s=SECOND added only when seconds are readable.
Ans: h=2 m=56
